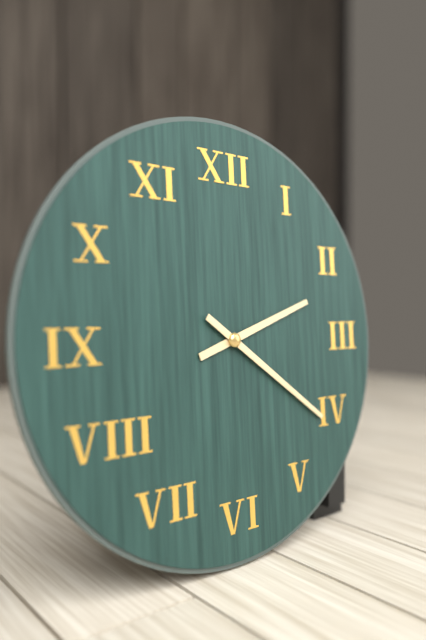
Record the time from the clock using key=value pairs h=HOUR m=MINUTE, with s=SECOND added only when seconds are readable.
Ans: h=2 m=21
